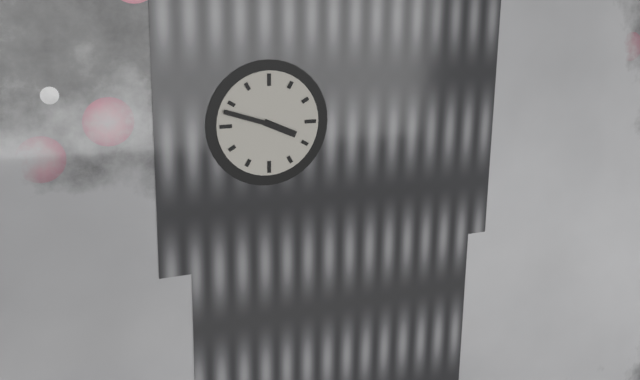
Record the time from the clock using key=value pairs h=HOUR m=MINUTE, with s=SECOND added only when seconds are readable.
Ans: h=3 m=48
